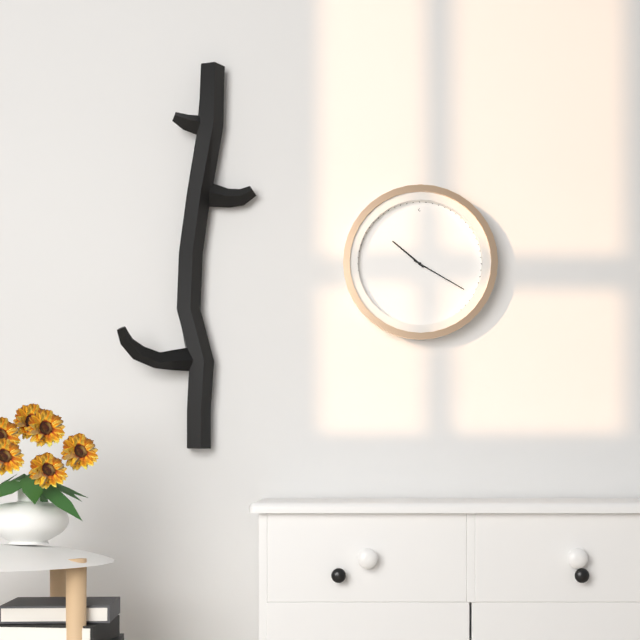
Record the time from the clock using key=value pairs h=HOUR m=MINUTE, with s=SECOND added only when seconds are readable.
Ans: h=10 m=20
